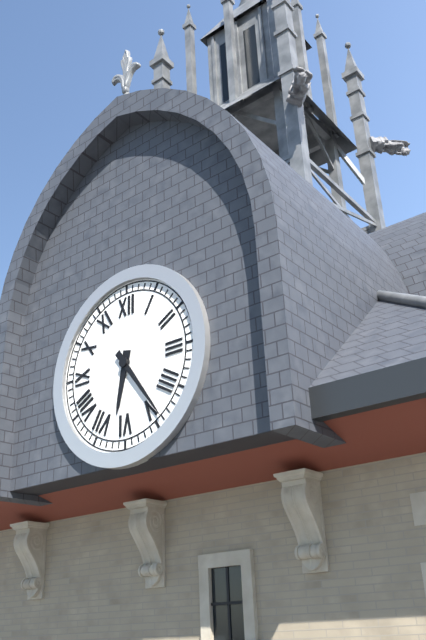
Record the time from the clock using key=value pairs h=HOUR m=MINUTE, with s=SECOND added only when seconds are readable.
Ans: h=6 m=24
